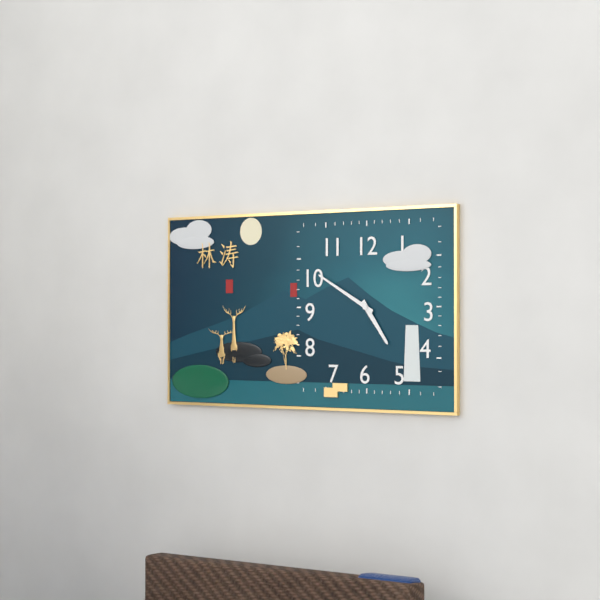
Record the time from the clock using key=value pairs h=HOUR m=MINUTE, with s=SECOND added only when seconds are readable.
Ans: h=4 m=50
